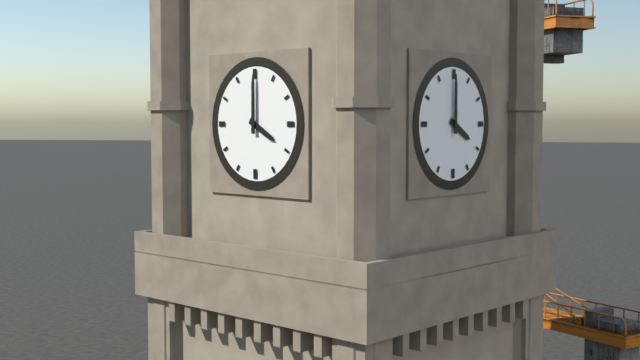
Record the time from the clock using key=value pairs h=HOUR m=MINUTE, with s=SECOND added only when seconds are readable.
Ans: h=4 m=0
